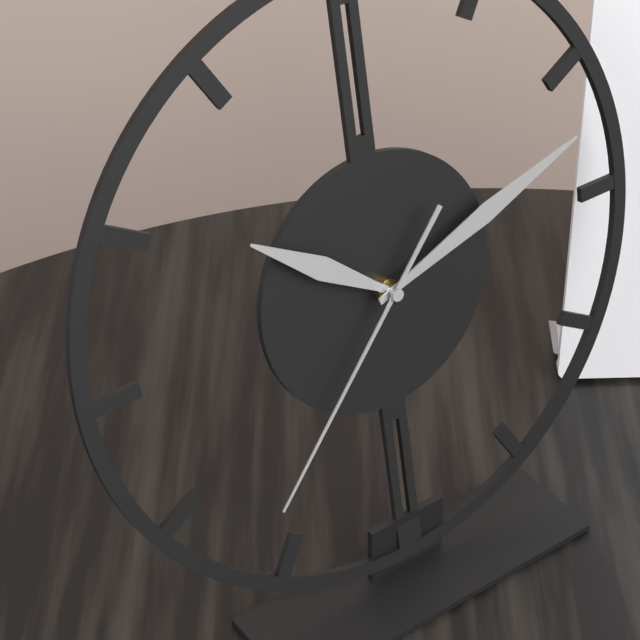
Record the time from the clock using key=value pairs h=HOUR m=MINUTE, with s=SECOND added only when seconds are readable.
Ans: h=10 m=12 s=37
